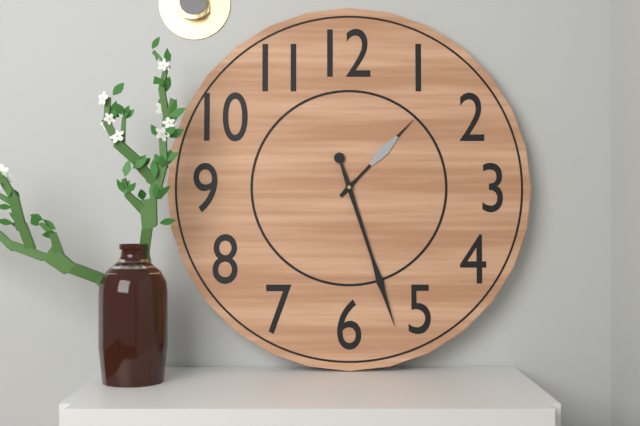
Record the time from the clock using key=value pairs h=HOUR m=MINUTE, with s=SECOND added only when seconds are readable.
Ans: h=1 m=27
